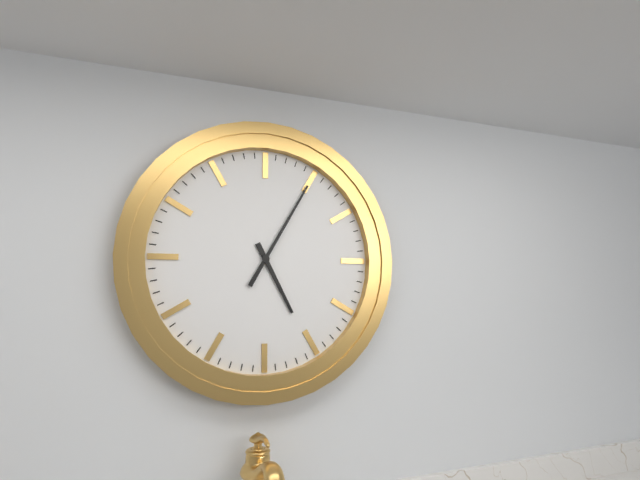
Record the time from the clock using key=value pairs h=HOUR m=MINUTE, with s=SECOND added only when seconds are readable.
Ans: h=5 m=5
